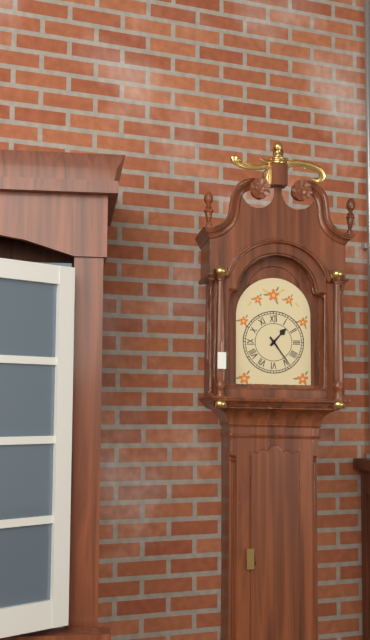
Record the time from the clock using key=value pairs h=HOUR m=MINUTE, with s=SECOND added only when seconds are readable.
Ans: h=1 m=24
